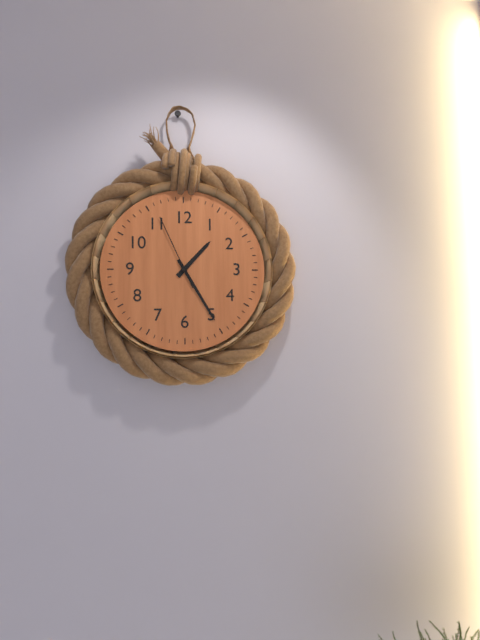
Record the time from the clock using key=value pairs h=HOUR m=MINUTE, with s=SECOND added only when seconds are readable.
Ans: h=1 m=25 s=56
